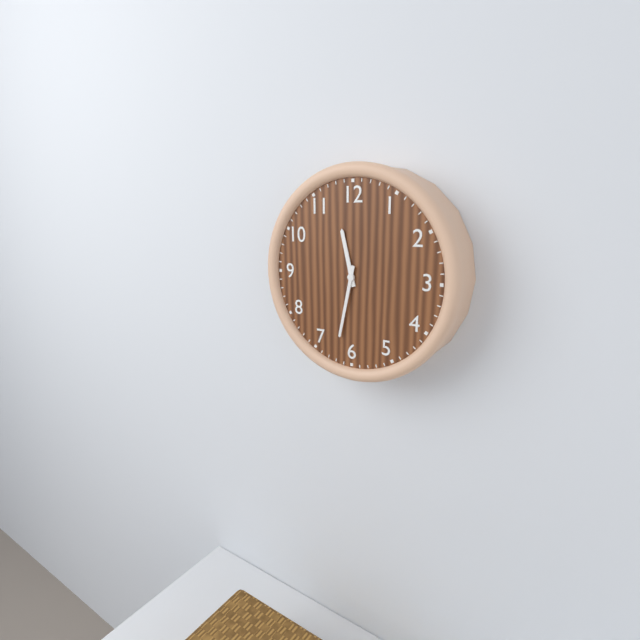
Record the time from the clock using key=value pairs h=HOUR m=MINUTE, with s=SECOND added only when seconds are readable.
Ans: h=11 m=32
